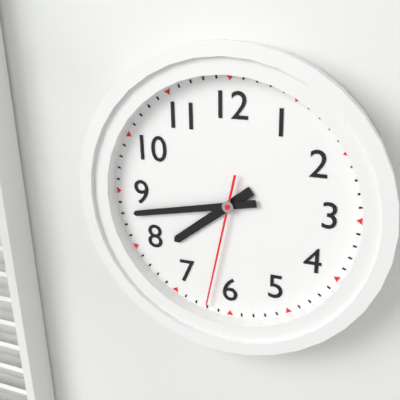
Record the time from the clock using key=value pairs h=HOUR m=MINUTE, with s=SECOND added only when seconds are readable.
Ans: h=7 m=43 s=32
